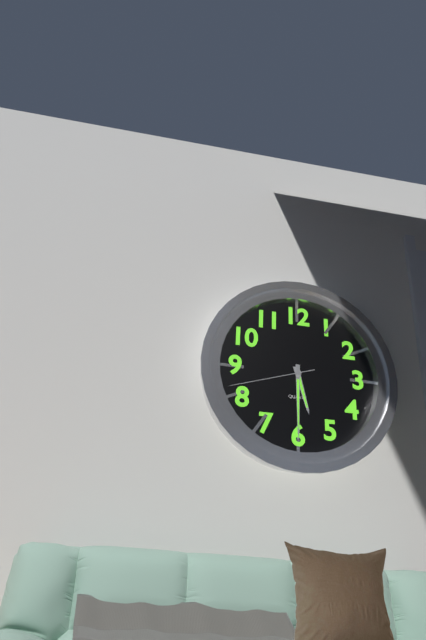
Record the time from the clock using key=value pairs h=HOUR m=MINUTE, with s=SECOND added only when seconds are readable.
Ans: h=5 m=30 s=42
